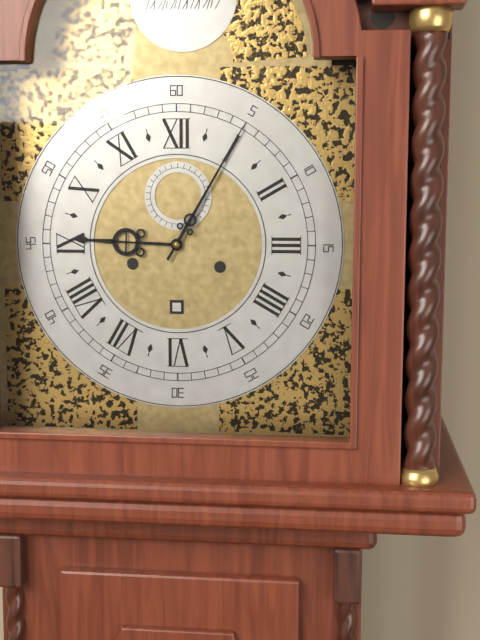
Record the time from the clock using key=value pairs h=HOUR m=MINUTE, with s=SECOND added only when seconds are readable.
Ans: h=9 m=5
